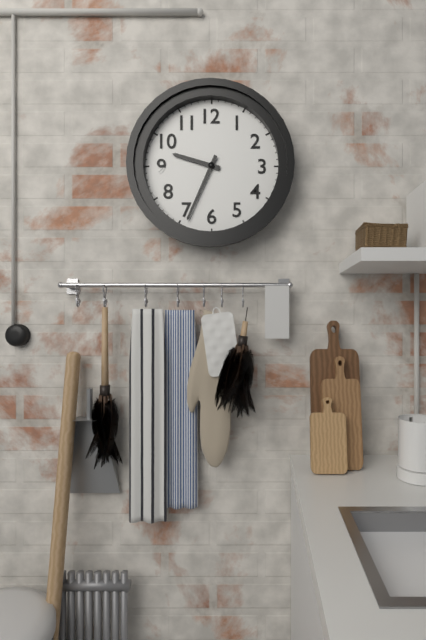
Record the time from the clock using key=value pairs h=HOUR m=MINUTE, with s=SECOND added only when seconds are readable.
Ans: h=9 m=34
